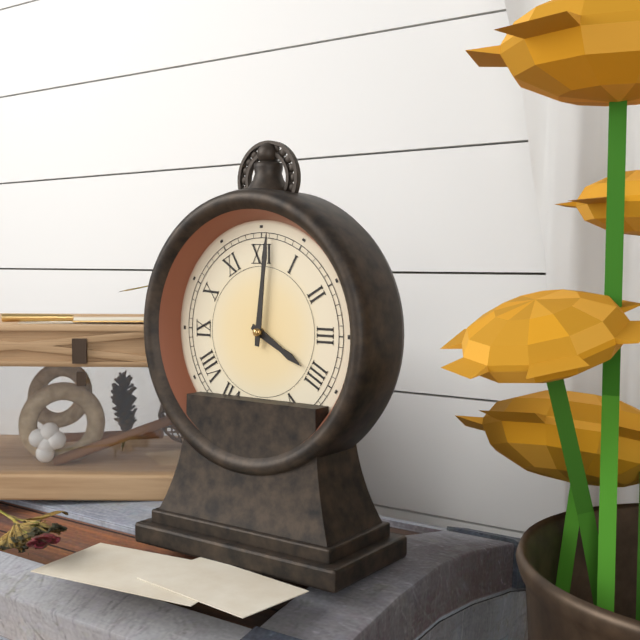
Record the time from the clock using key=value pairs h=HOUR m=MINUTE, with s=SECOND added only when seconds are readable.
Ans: h=4 m=1
